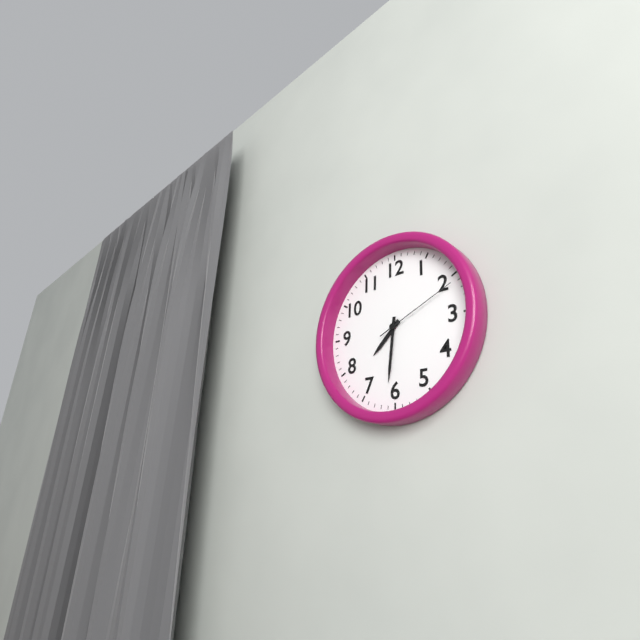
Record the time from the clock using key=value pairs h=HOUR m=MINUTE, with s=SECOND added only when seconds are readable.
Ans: h=7 m=31 s=11
